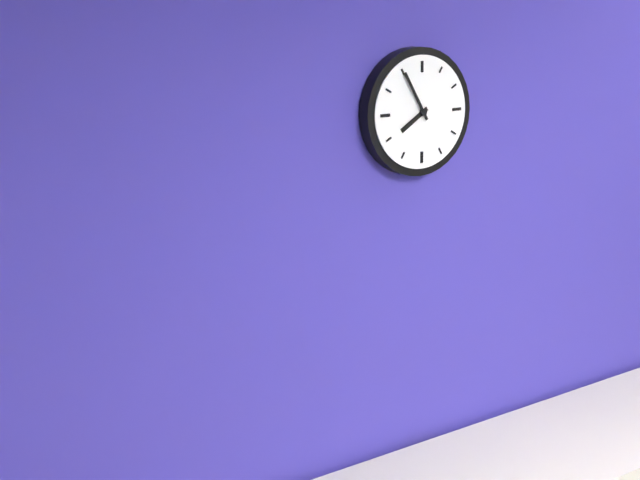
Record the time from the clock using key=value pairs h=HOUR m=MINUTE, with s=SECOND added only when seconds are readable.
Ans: h=7 m=55
